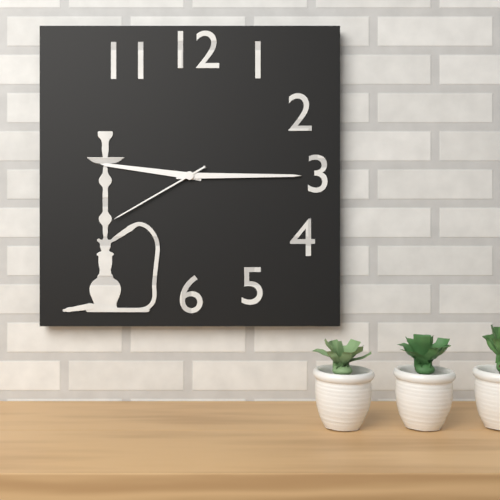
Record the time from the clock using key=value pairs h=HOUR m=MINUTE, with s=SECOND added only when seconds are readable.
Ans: h=9 m=15 s=40
